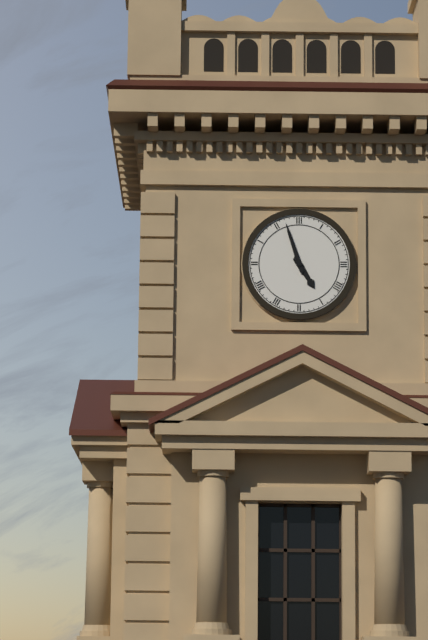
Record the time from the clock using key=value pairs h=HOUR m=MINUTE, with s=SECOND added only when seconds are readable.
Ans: h=4 m=57
